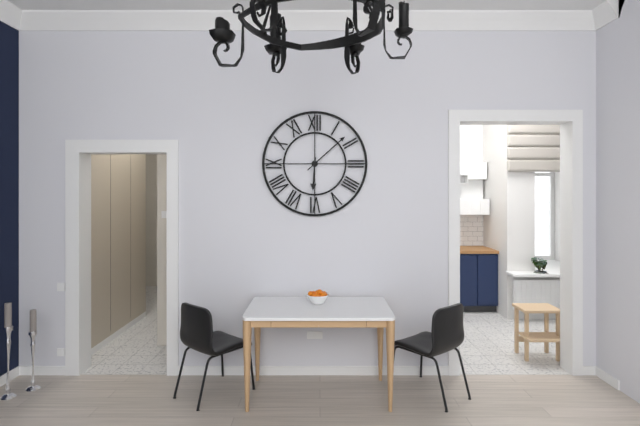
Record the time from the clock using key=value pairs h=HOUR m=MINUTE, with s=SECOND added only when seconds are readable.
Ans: h=6 m=8
